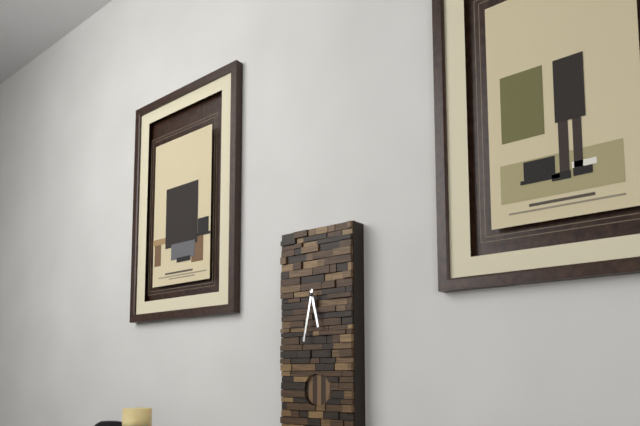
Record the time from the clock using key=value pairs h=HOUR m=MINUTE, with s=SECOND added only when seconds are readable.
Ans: h=5 m=32
